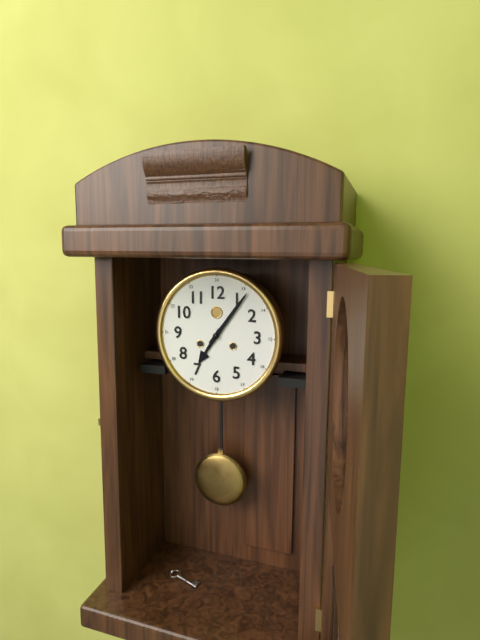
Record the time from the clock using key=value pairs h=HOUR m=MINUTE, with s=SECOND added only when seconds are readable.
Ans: h=7 m=6
